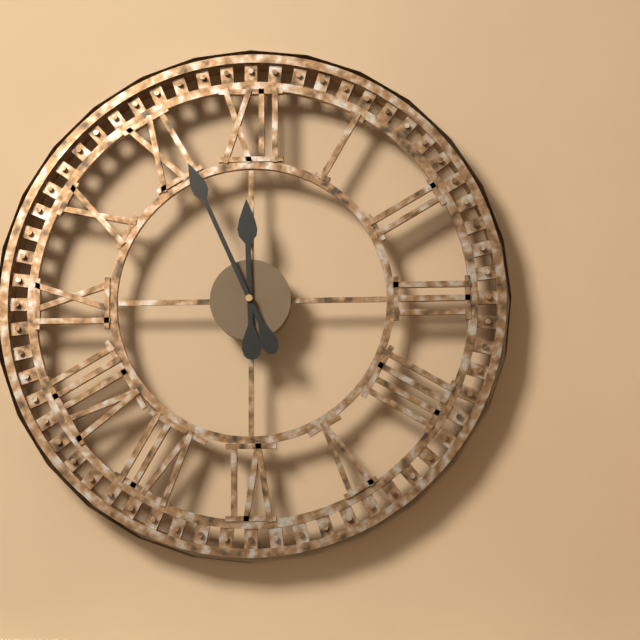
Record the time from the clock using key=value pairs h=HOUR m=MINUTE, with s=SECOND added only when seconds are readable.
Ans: h=11 m=56
